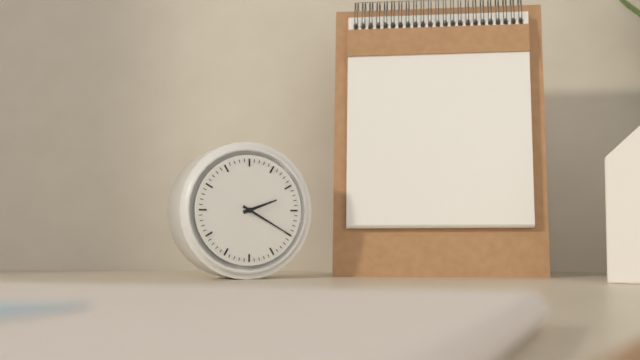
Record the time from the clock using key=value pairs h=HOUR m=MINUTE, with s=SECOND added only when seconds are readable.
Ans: h=2 m=20
